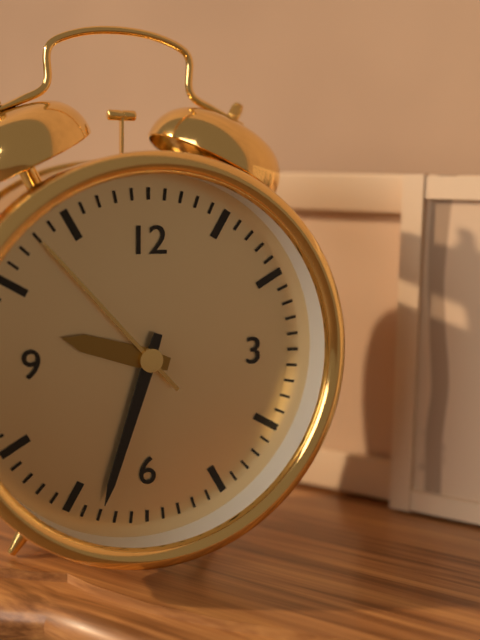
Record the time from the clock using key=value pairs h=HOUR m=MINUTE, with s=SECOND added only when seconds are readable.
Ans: h=9 m=33 s=53
